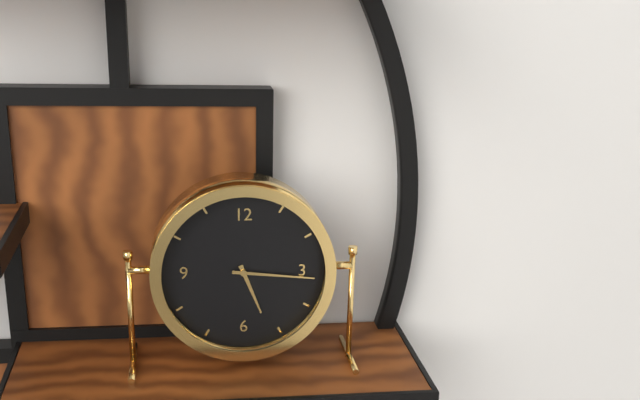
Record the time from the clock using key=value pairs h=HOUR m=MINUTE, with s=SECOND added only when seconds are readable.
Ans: h=5 m=16
